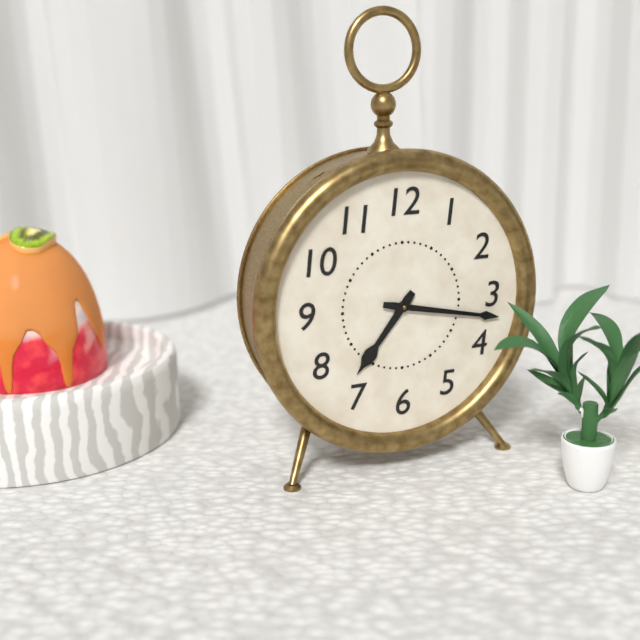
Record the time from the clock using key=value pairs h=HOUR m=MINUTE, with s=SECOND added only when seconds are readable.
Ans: h=7 m=17
